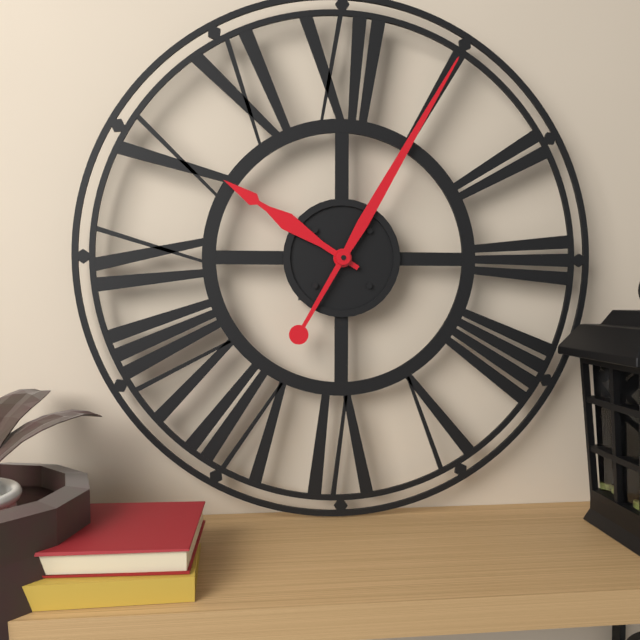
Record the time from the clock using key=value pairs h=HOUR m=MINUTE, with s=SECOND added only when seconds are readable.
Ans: h=10 m=5
